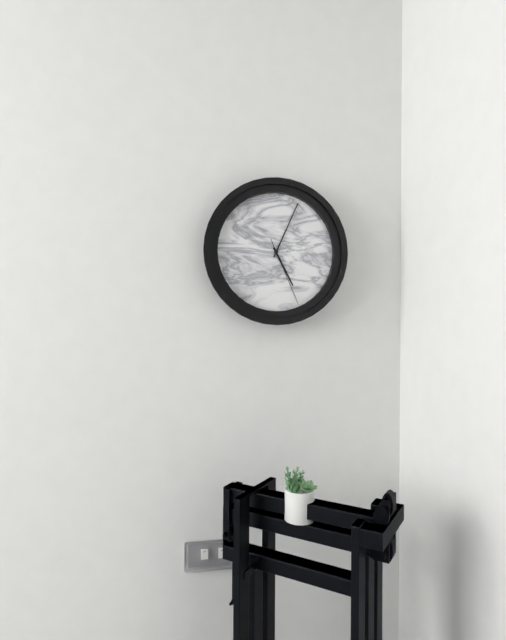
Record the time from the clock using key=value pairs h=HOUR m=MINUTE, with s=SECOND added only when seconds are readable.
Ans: h=5 m=4 s=26
